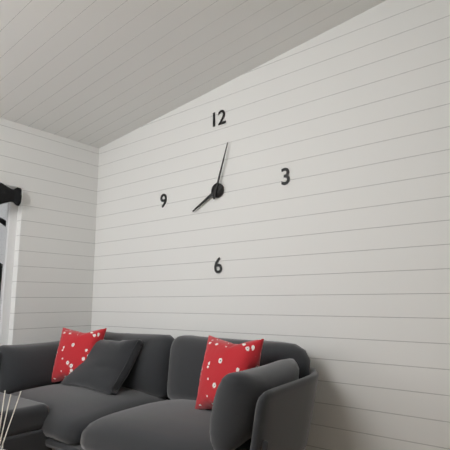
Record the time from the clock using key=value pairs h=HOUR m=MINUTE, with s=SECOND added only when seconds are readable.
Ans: h=8 m=3
